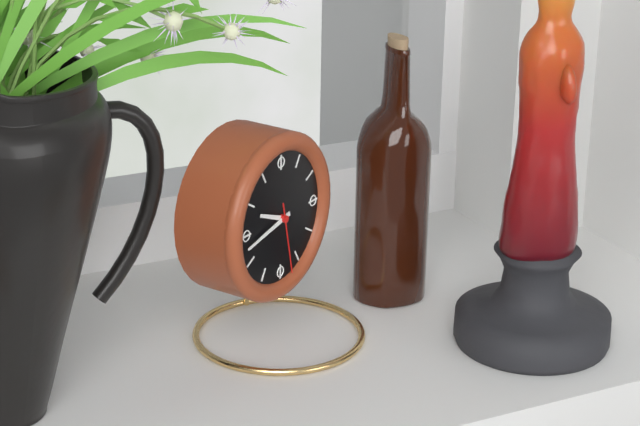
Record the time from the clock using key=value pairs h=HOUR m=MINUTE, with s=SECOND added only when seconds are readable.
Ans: h=9 m=43 s=28
